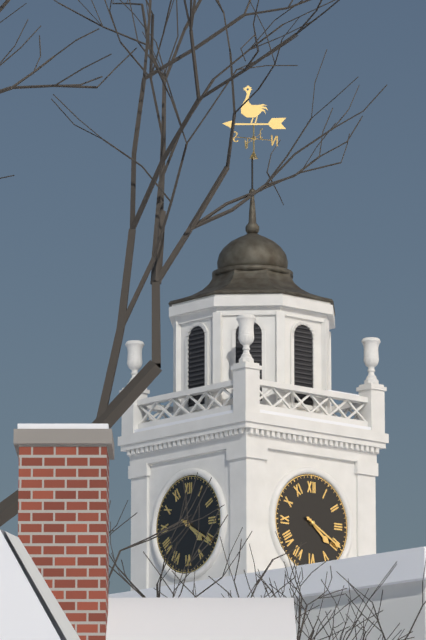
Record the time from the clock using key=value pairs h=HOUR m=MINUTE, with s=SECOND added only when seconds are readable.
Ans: h=4 m=20
